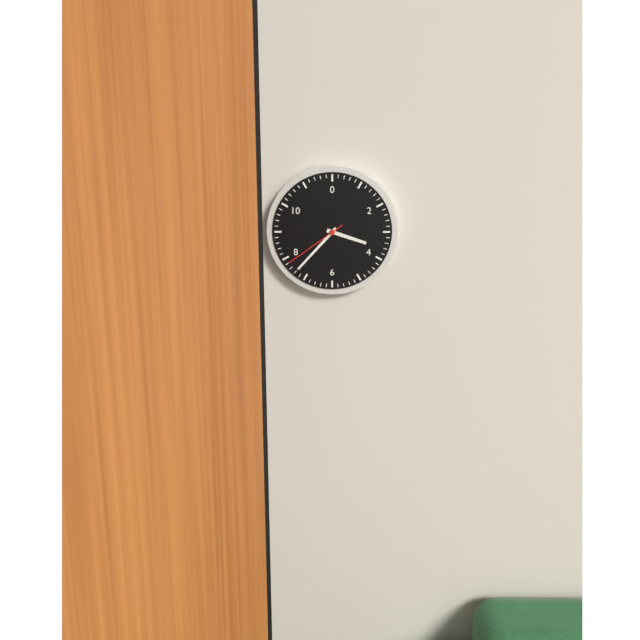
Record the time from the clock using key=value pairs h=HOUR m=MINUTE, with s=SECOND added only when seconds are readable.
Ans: h=3 m=37 s=39
